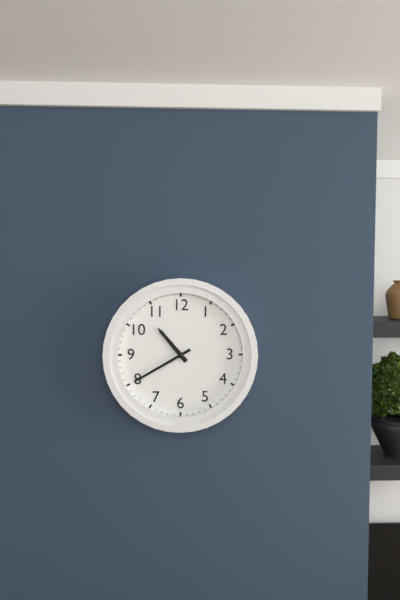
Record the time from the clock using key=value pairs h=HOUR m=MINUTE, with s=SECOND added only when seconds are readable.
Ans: h=10 m=40
